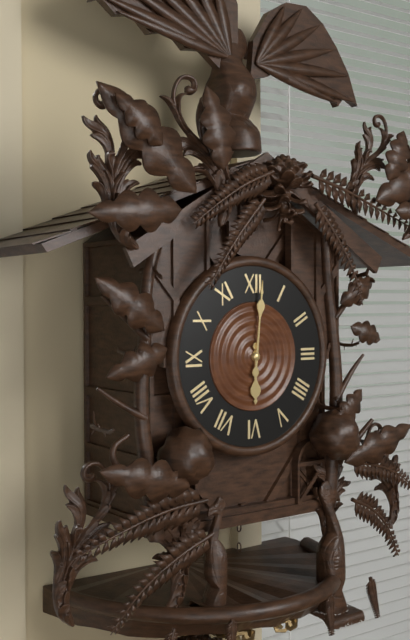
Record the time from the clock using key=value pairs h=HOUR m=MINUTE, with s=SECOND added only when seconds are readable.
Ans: h=6 m=1
